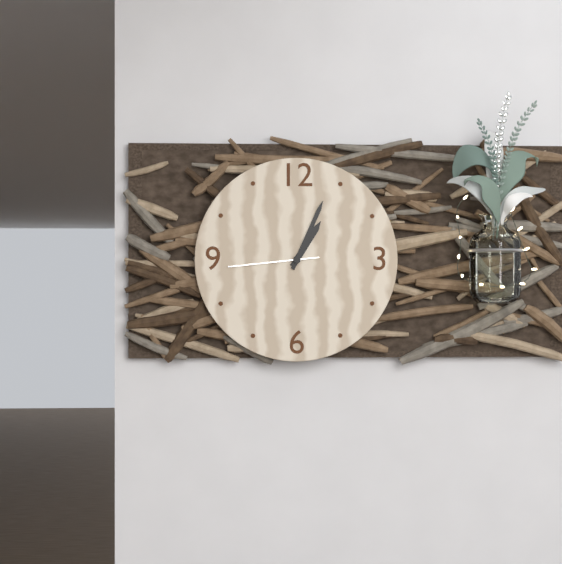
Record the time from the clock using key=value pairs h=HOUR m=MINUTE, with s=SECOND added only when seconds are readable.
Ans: h=1 m=4 s=44
